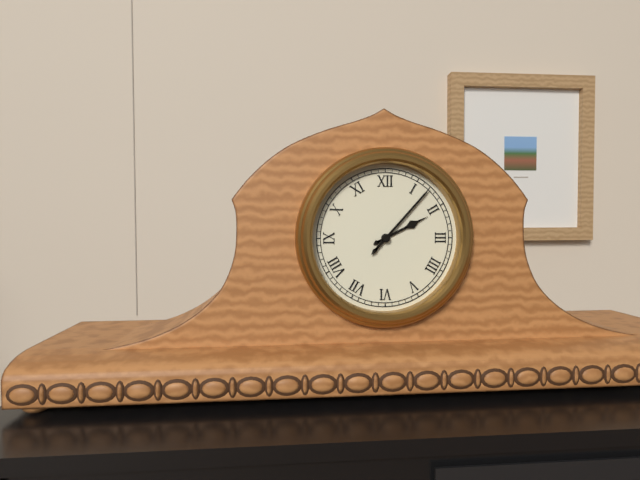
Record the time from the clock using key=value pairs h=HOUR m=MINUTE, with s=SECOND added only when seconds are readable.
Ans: h=2 m=7
